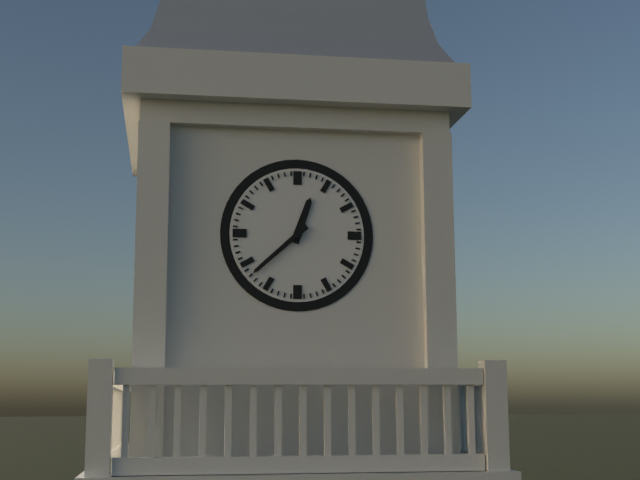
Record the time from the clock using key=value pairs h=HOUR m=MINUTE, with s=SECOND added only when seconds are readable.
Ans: h=12 m=38
